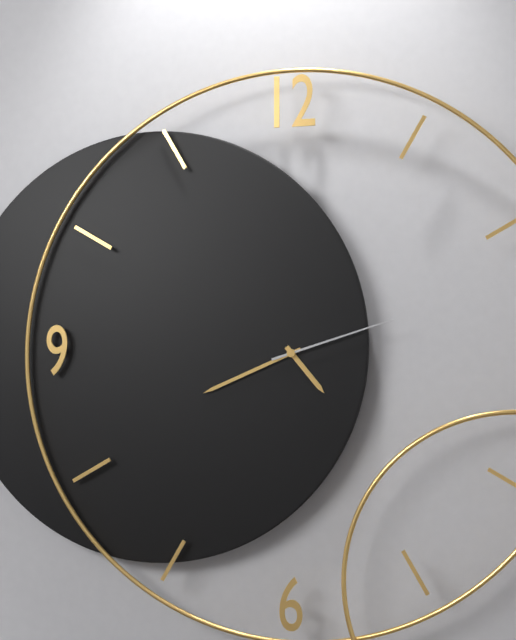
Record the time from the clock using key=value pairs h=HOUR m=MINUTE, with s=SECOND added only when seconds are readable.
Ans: h=4 m=41 s=12
